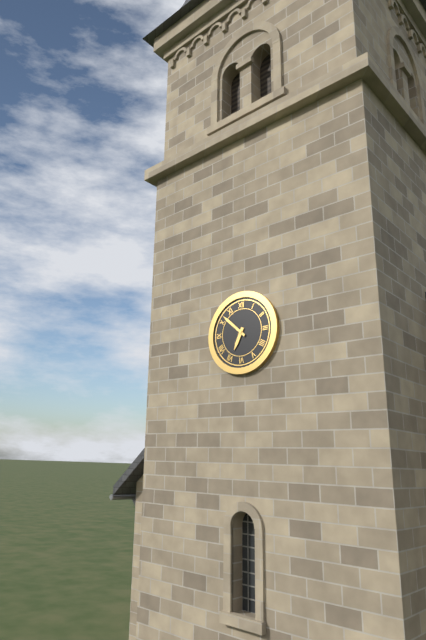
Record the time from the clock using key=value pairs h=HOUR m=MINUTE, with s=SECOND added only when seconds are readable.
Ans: h=6 m=52
